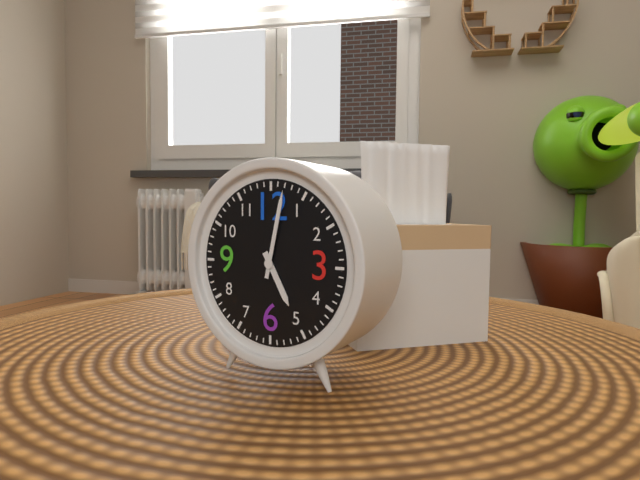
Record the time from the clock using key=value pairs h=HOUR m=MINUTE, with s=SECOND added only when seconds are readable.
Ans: h=5 m=2
